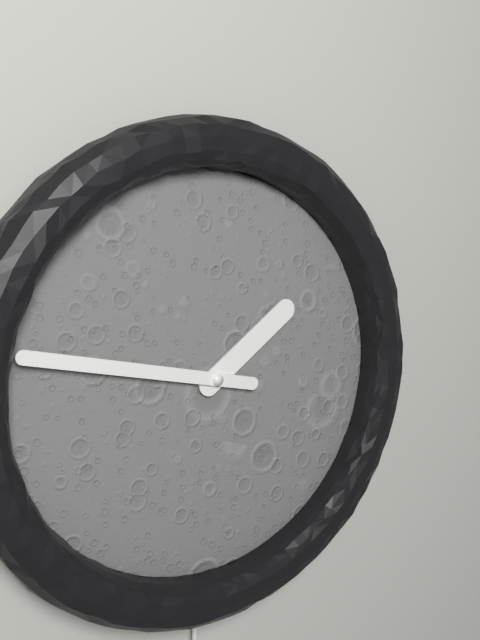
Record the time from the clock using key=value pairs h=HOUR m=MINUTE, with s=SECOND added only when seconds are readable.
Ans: h=1 m=47
